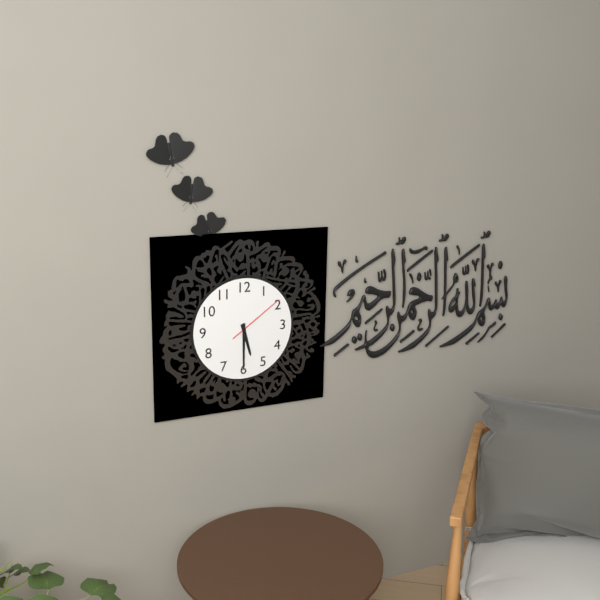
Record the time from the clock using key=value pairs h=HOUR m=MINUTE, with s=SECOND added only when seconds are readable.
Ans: h=5 m=30 s=9
